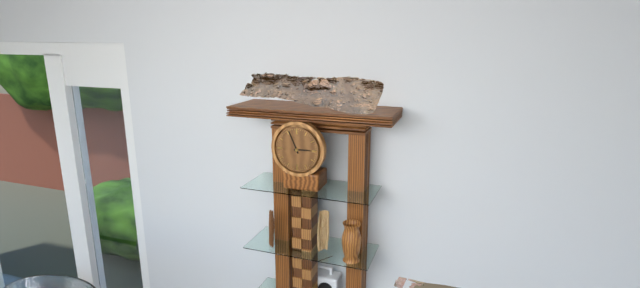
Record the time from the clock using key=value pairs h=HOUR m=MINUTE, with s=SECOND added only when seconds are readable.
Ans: h=2 m=56
